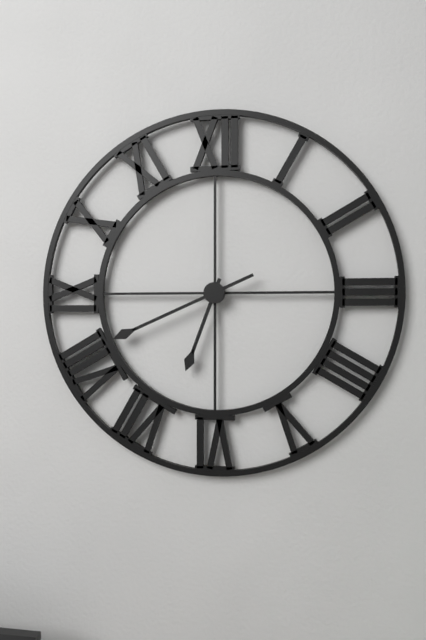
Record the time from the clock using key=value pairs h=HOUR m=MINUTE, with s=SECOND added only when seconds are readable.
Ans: h=6 m=41
